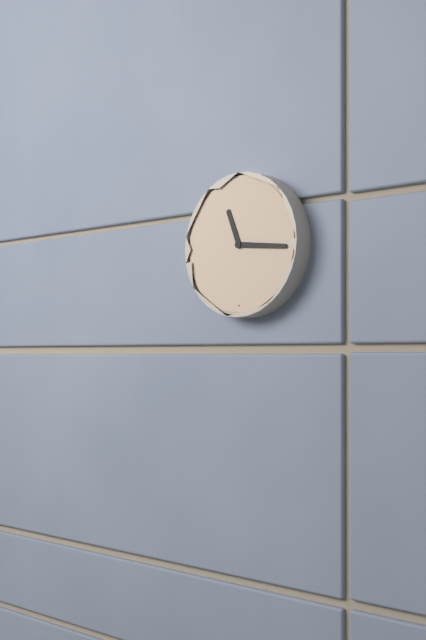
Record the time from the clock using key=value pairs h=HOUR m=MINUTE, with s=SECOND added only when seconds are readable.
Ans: h=11 m=16
